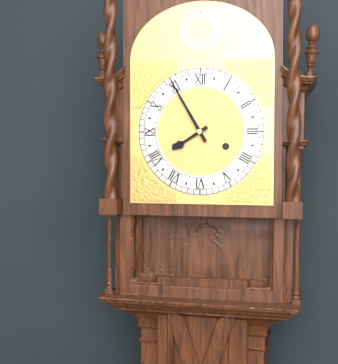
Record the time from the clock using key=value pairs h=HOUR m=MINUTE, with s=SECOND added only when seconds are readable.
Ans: h=7 m=55
